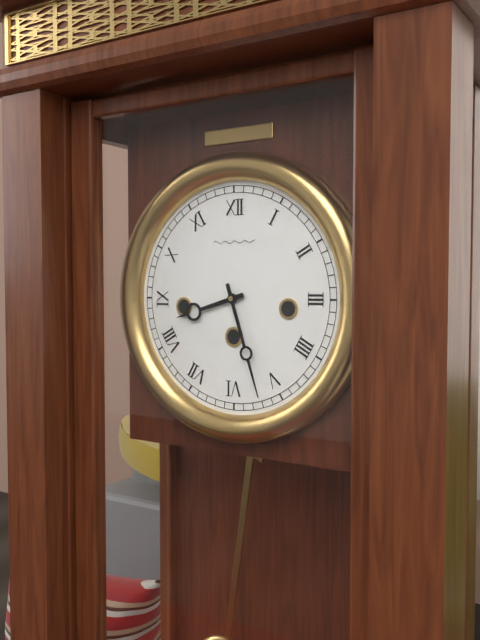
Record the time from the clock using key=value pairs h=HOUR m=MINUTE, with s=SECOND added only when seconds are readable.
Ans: h=8 m=27
